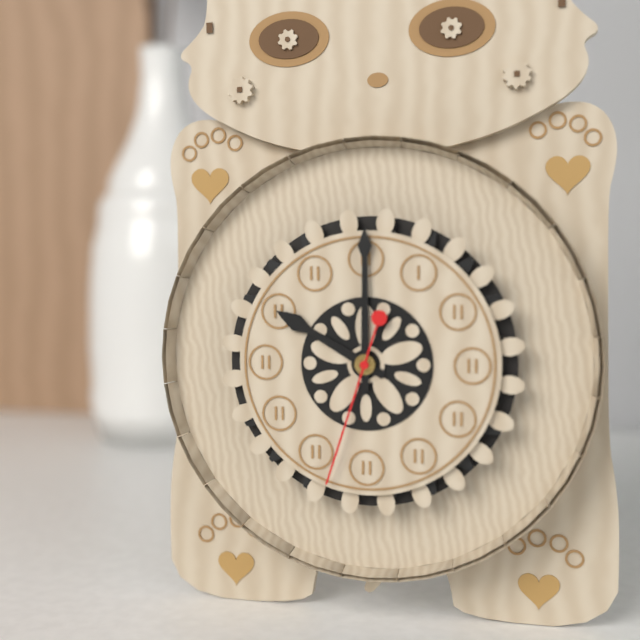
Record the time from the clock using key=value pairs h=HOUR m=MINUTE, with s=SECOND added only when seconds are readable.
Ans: h=10 m=0 s=33
